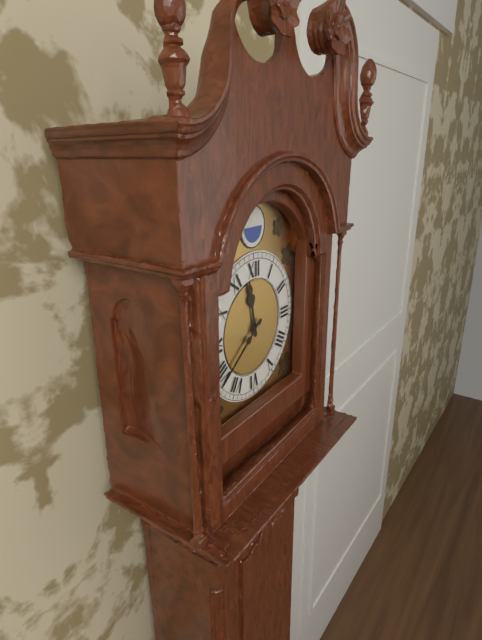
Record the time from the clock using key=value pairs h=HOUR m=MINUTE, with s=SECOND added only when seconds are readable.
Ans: h=11 m=39
